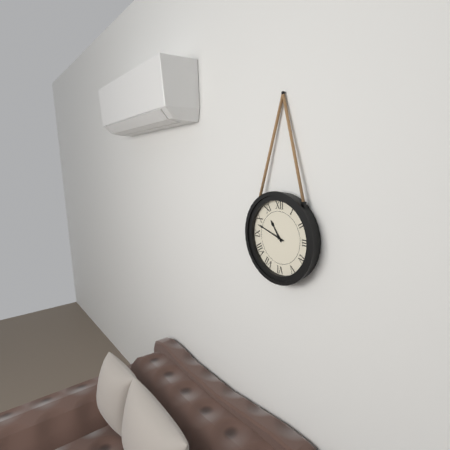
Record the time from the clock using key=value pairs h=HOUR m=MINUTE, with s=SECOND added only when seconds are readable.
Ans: h=10 m=48
